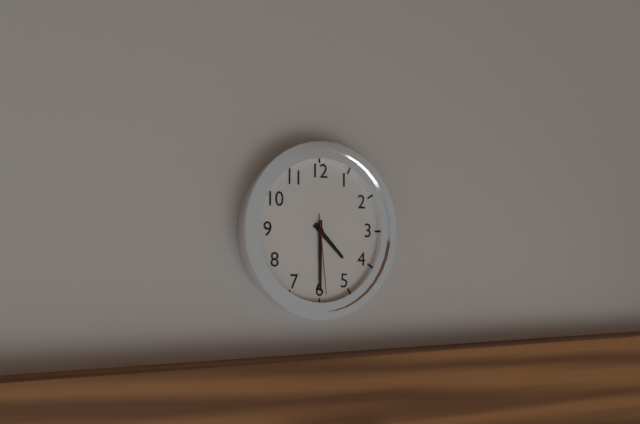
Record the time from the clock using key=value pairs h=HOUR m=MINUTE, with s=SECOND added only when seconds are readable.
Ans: h=4 m=30 s=29
